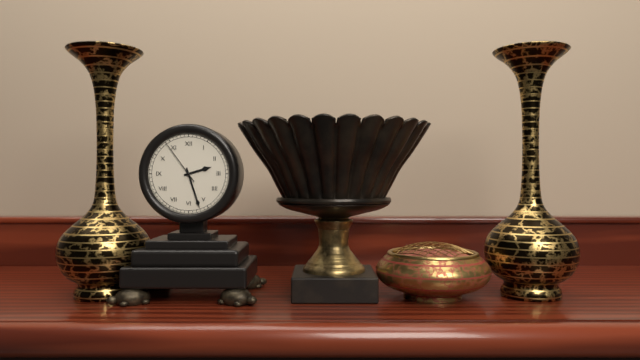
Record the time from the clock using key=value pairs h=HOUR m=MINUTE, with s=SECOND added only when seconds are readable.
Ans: h=2 m=27
